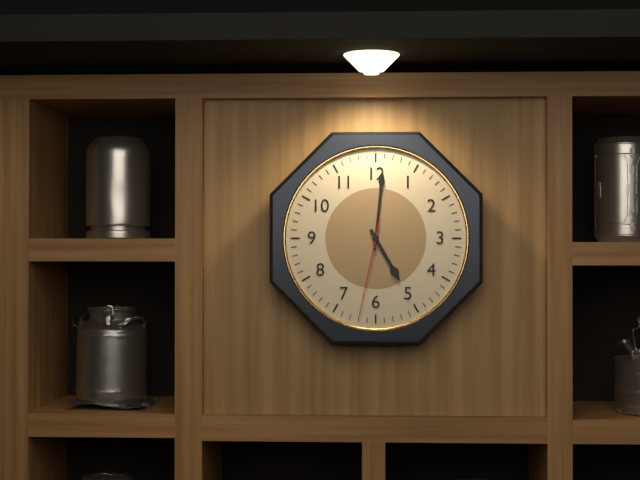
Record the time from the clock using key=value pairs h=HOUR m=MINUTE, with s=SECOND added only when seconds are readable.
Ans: h=5 m=1 s=32
